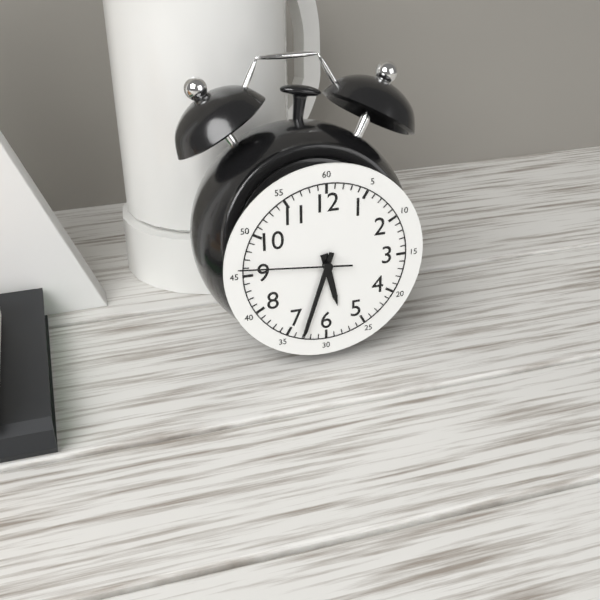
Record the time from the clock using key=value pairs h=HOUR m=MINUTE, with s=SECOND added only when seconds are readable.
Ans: h=5 m=33 s=46
